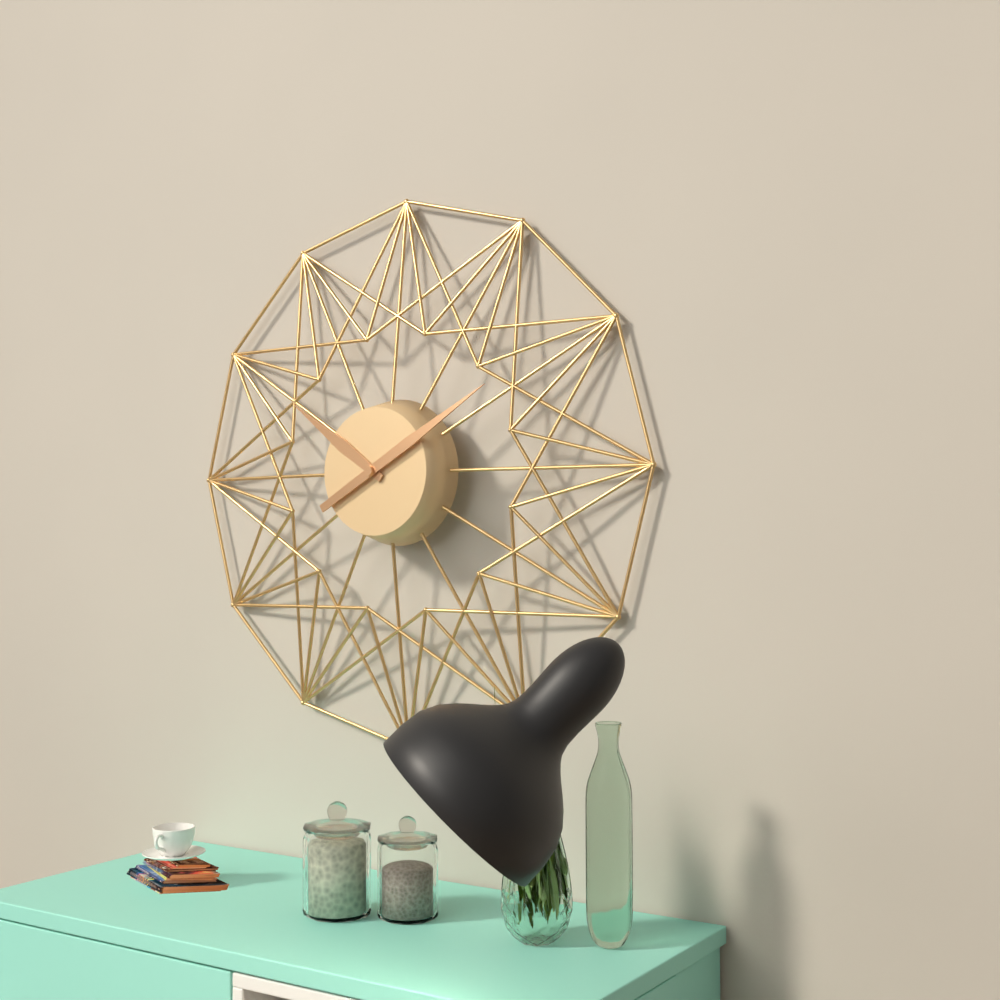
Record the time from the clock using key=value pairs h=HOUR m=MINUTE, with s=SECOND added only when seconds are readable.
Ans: h=10 m=10
